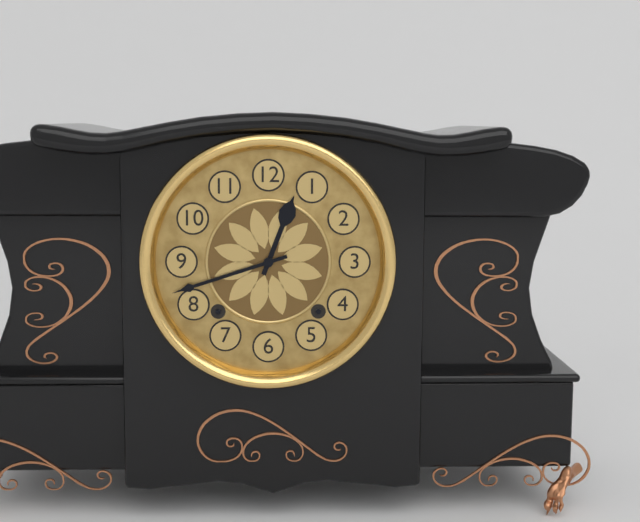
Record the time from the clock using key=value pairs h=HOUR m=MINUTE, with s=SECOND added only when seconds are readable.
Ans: h=12 m=42
